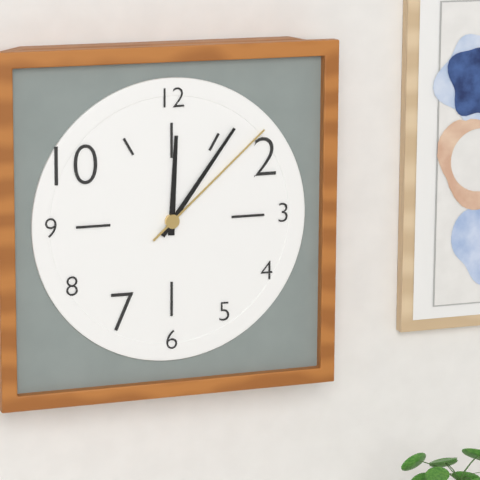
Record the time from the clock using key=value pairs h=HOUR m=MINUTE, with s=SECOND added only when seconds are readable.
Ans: h=12 m=6 s=8
